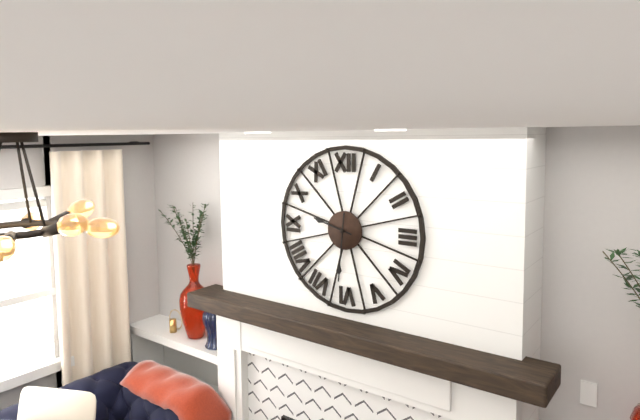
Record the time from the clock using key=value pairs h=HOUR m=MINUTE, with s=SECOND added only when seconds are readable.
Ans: h=9 m=31
